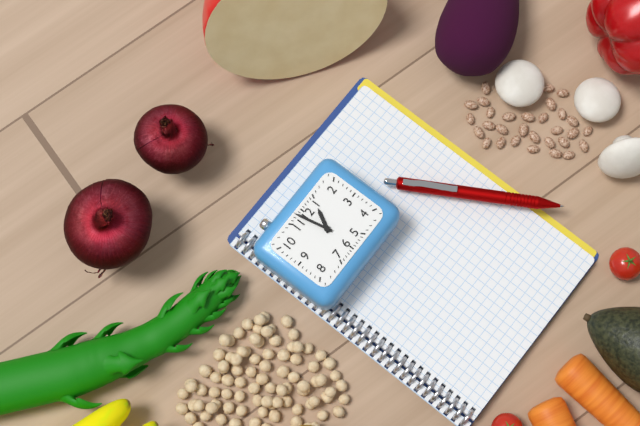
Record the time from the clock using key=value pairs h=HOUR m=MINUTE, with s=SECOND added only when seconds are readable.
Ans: h=12 m=58
